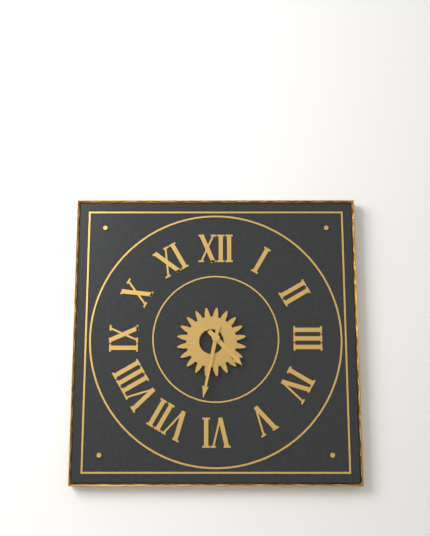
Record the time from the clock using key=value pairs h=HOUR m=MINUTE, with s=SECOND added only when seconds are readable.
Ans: h=4 m=32
